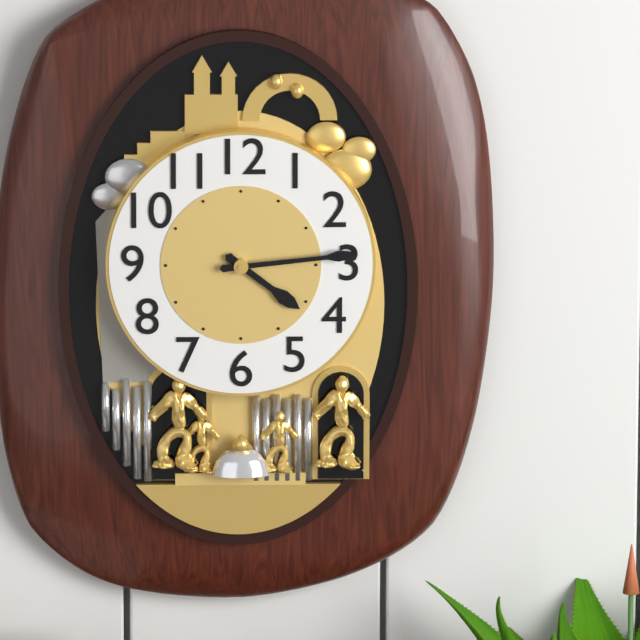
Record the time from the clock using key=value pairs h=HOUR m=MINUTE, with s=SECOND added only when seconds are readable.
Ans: h=4 m=14
